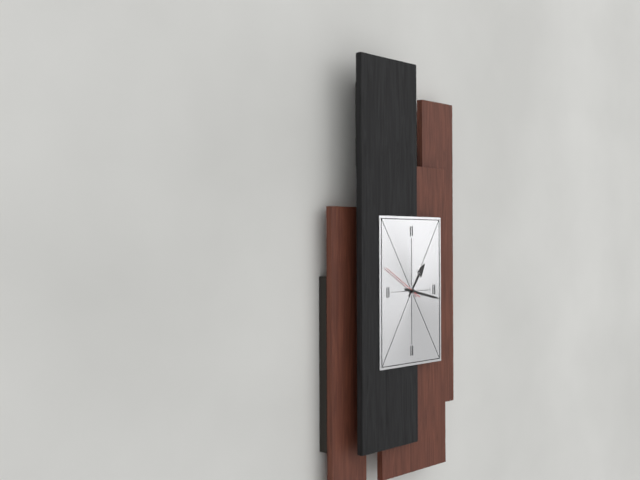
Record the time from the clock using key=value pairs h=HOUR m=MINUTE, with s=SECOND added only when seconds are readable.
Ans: h=1 m=17
